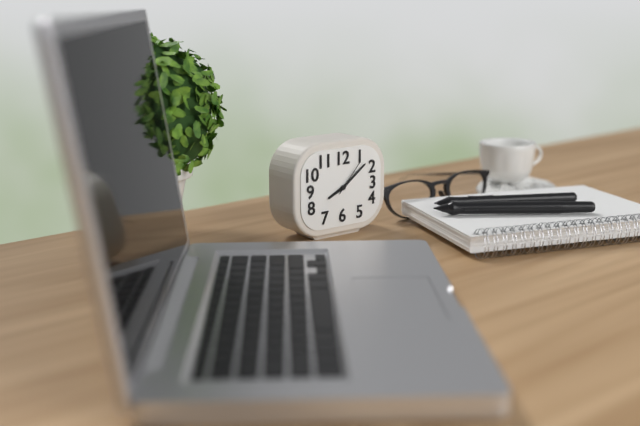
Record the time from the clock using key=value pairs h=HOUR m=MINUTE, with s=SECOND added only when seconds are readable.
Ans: h=8 m=9
